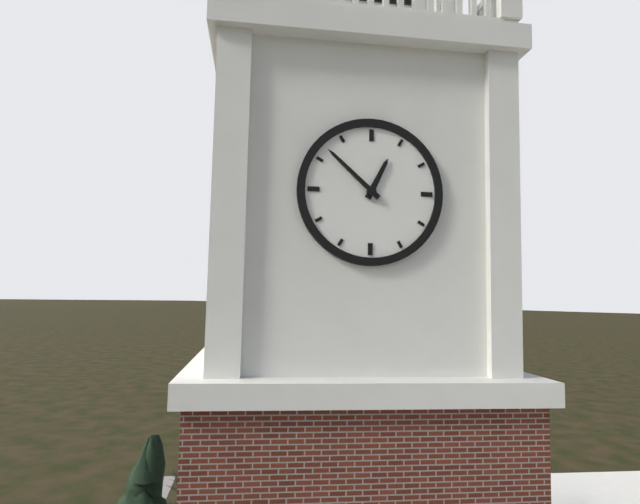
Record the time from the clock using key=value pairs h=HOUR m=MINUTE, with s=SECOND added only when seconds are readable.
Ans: h=12 m=52
